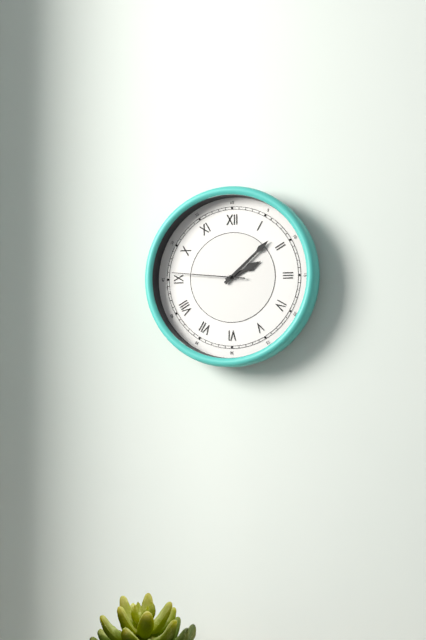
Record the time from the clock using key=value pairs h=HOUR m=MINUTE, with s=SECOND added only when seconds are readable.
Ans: h=2 m=8 s=46
